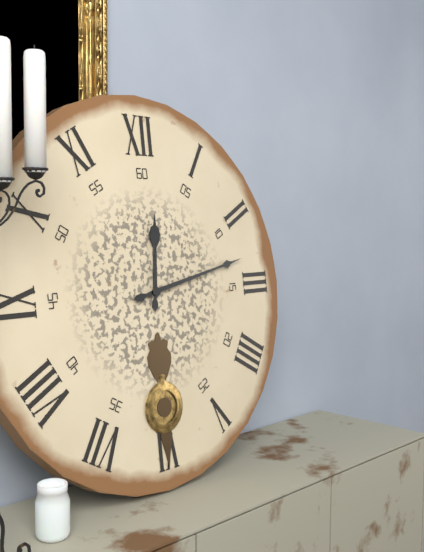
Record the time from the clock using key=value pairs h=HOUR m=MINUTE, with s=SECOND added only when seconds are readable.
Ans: h=12 m=13
